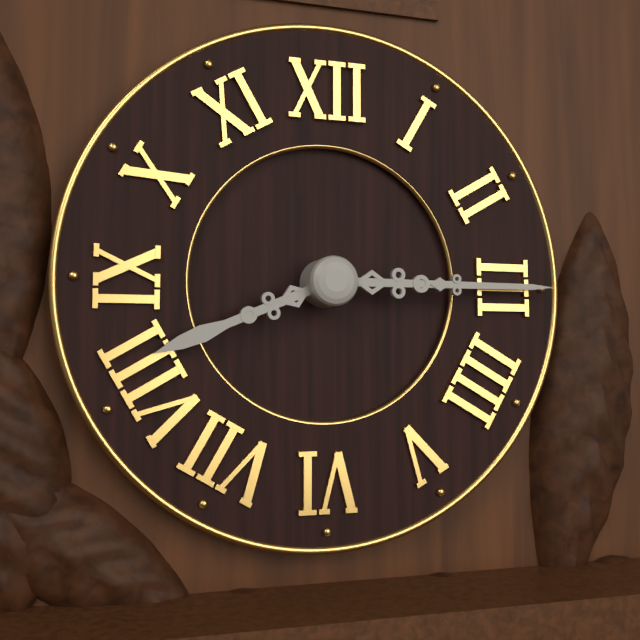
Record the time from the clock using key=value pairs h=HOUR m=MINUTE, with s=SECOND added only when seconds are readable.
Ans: h=8 m=15
